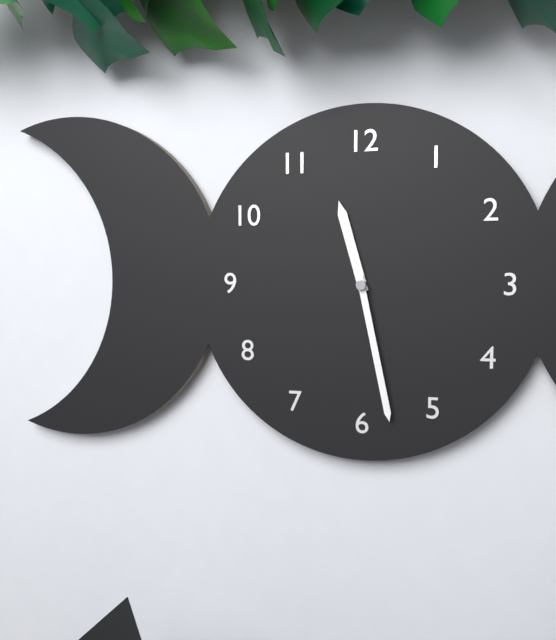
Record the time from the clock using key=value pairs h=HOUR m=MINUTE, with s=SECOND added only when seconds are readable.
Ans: h=11 m=28
